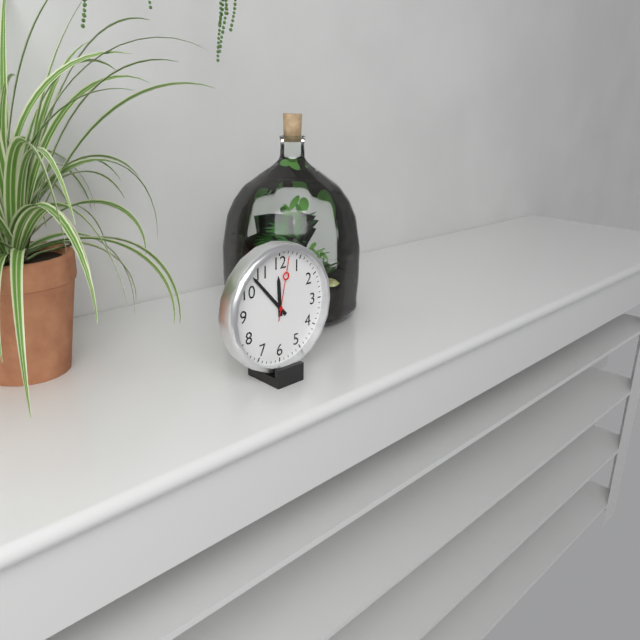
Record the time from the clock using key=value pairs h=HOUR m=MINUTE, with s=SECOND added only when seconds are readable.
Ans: h=11 m=53 s=2
